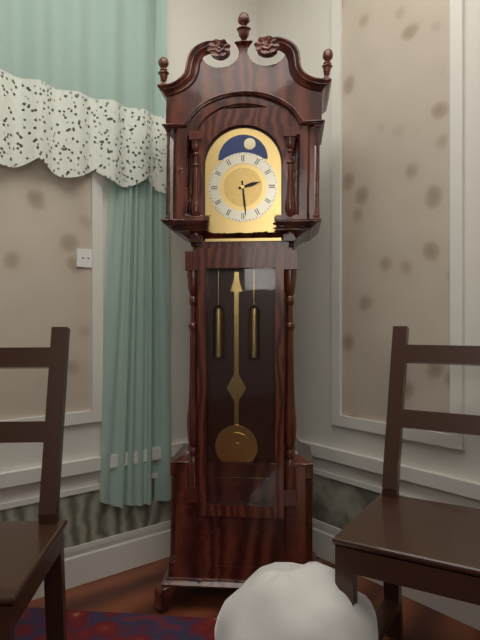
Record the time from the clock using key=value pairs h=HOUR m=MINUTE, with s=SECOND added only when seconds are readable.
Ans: h=2 m=29
